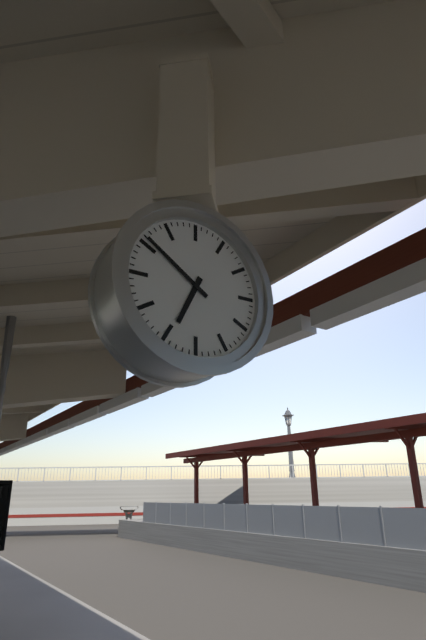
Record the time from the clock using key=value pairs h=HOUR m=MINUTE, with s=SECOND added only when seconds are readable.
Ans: h=6 m=51
